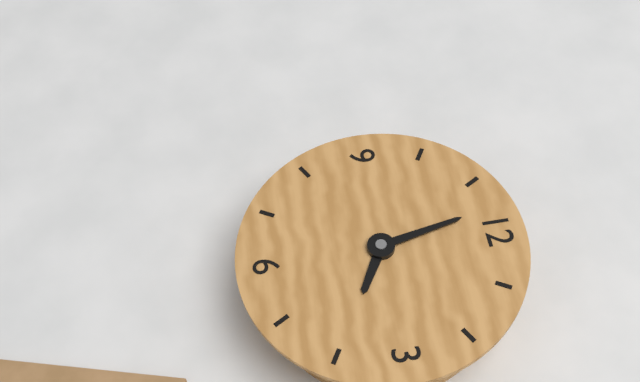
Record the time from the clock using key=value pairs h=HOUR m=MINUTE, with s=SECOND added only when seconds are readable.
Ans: h=3 m=58
